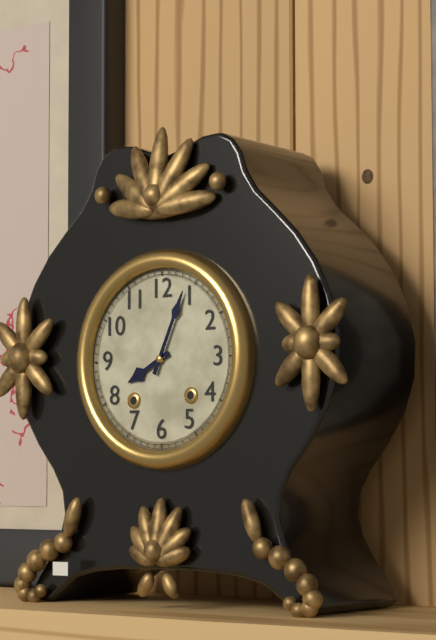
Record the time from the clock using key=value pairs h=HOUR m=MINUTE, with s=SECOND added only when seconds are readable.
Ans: h=8 m=4
